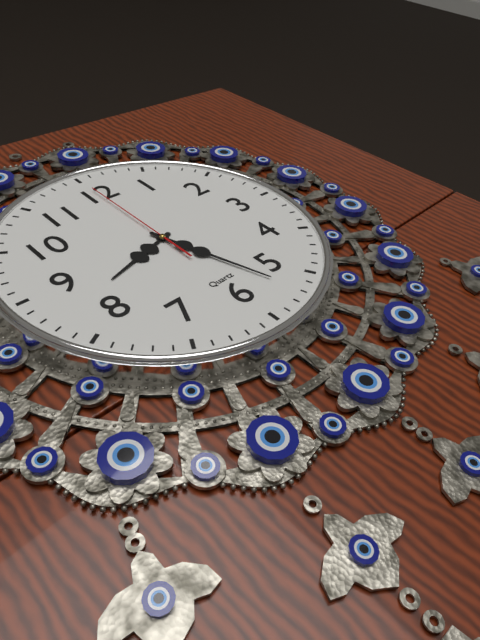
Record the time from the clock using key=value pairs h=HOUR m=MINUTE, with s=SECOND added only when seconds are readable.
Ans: h=8 m=27 s=0
